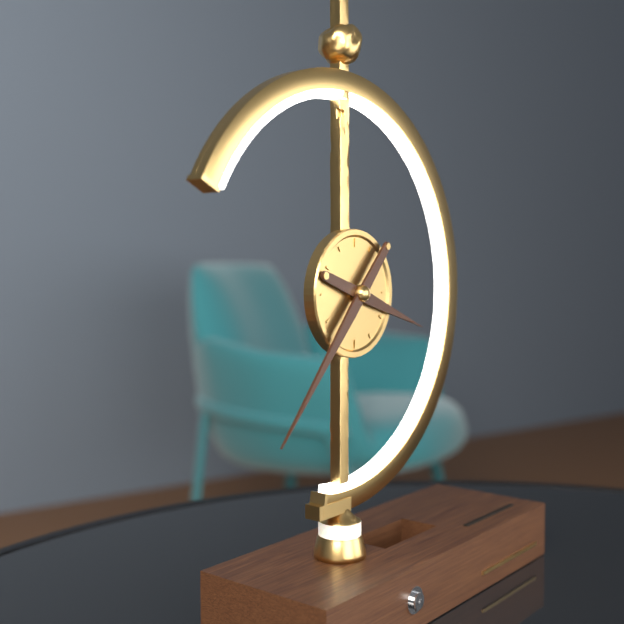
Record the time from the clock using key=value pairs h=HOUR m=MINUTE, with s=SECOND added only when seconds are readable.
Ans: h=3 m=37
